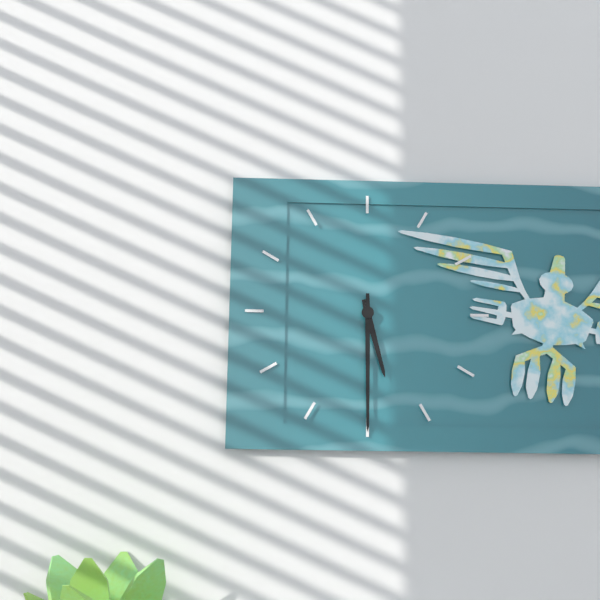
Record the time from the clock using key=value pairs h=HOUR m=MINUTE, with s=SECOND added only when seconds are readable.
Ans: h=5 m=30
